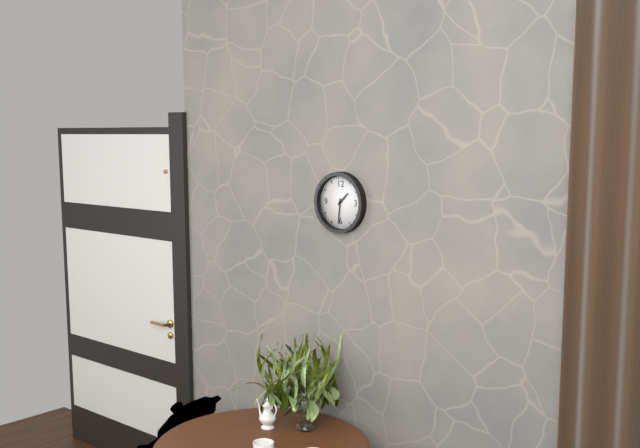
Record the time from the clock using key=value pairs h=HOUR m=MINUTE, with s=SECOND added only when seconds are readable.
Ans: h=1 m=31
